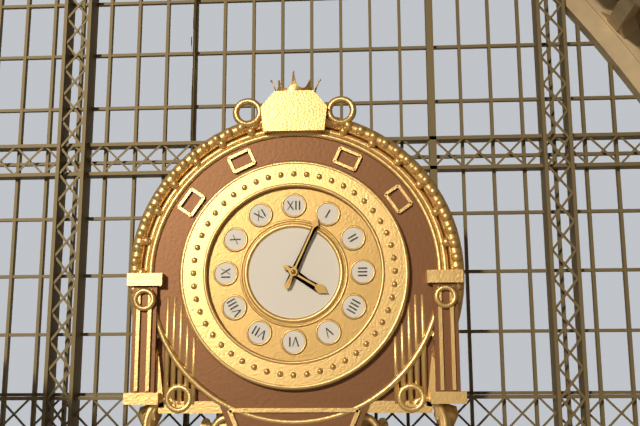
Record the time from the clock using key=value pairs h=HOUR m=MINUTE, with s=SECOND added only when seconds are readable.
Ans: h=4 m=4
